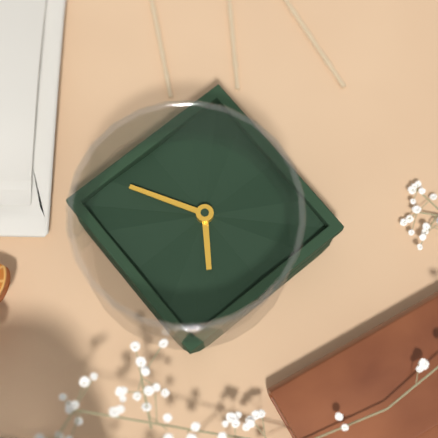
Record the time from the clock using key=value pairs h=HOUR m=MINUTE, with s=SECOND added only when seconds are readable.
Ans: h=10 m=10
